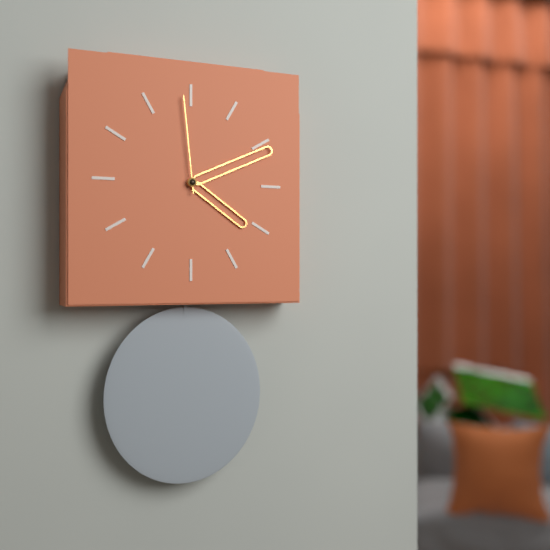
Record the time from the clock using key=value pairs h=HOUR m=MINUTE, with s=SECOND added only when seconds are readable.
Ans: h=4 m=11 s=59
